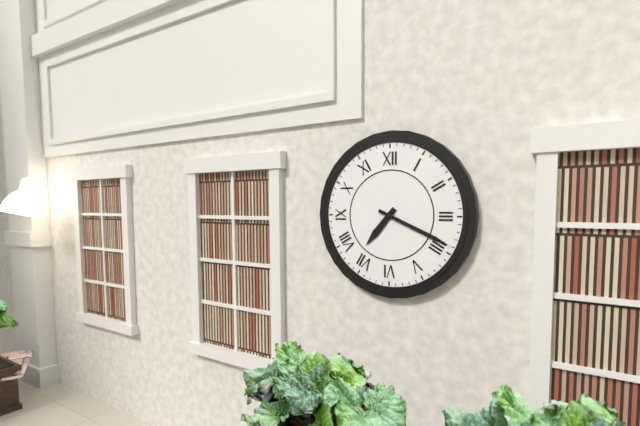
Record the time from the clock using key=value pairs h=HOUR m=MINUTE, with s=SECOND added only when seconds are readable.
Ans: h=7 m=19
